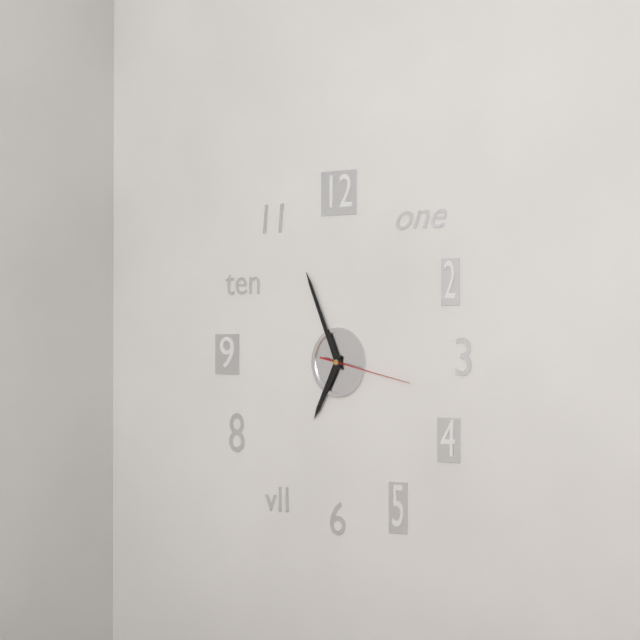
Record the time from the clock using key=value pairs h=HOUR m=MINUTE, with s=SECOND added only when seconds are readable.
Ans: h=6 m=56 s=17
